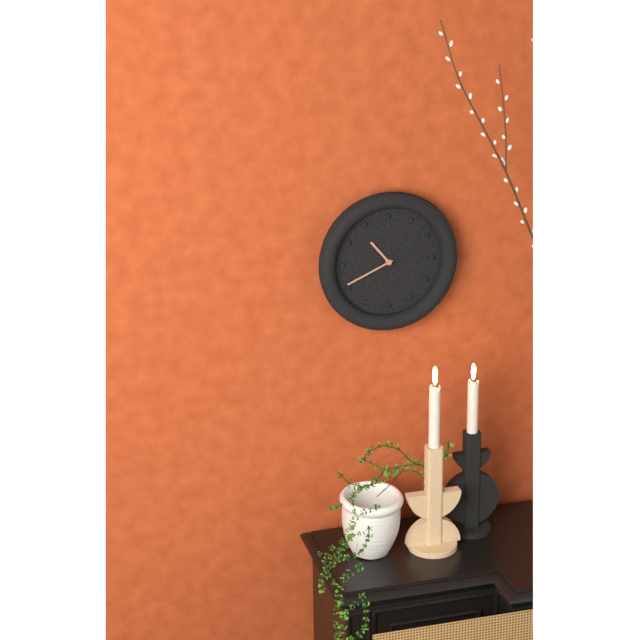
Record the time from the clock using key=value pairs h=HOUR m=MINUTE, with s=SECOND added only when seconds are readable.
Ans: h=10 m=41
